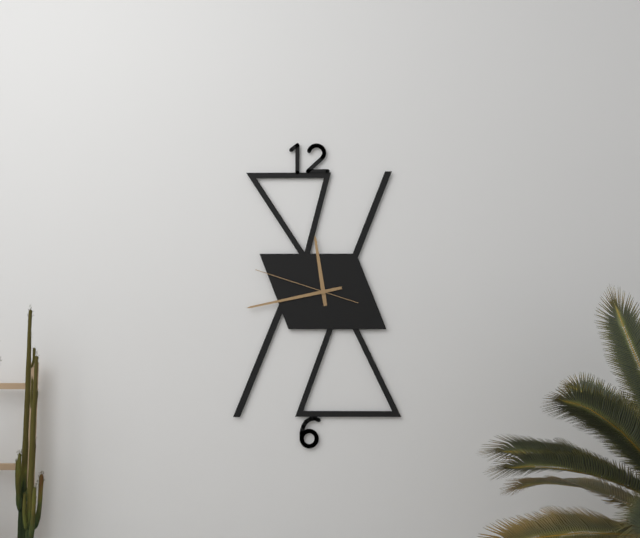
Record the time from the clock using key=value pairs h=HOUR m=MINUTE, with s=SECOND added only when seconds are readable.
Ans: h=11 m=43 s=48
